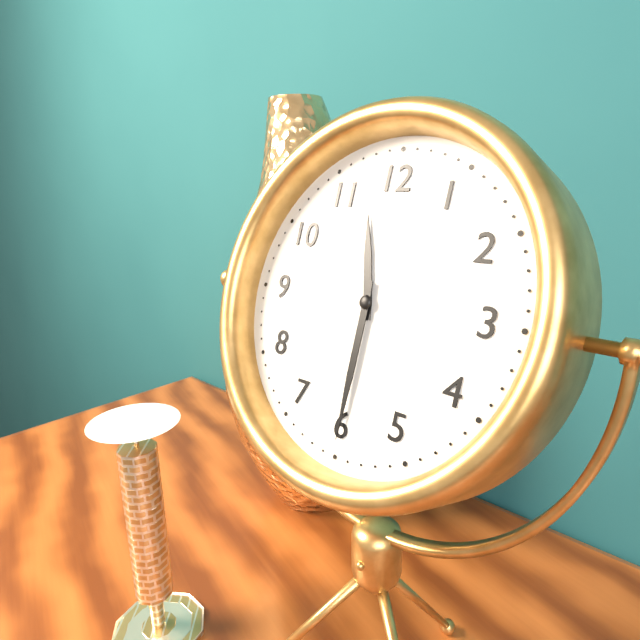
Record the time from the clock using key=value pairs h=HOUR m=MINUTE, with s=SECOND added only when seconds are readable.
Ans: h=11 m=30
